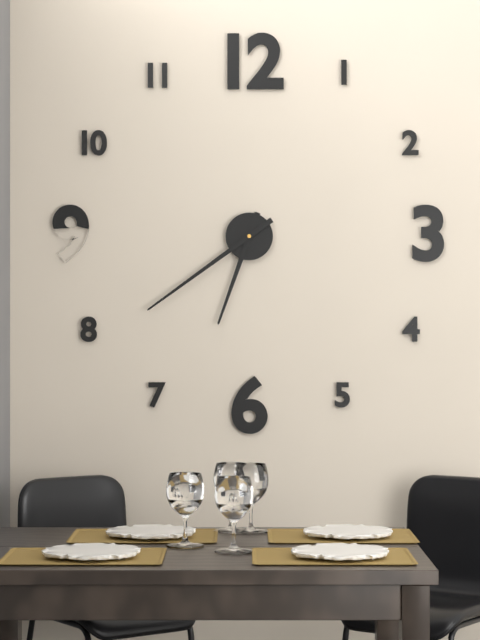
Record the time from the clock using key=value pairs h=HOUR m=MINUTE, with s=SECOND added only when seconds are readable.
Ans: h=6 m=39
